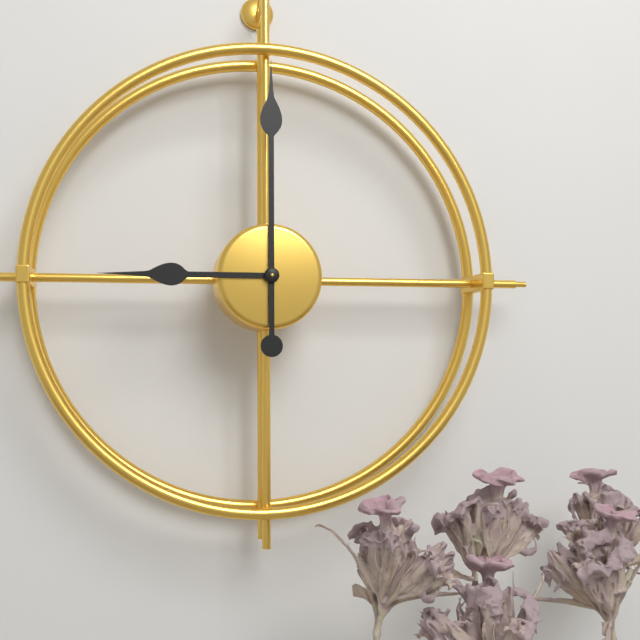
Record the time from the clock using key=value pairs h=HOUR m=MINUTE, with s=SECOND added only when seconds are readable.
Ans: h=9 m=0
